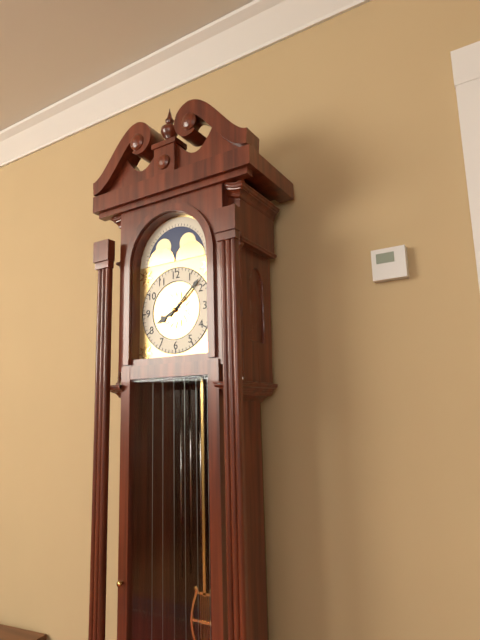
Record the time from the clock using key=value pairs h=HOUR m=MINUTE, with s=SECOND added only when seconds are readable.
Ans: h=8 m=8
